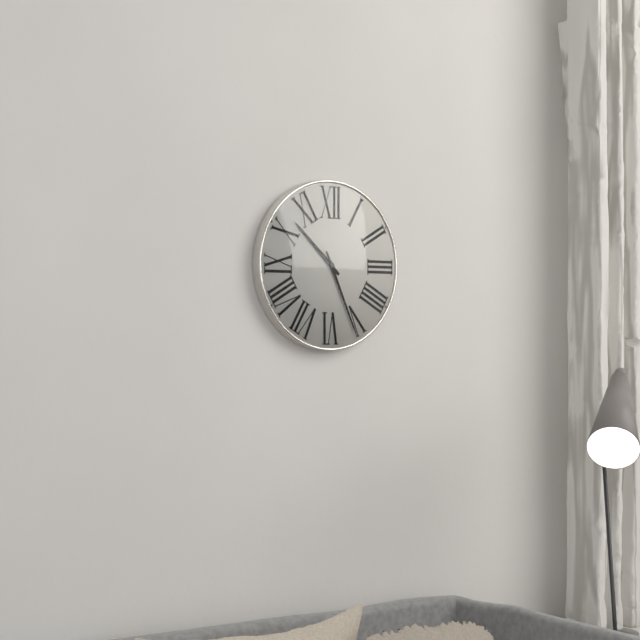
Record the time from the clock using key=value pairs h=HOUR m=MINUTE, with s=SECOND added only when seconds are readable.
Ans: h=10 m=26
